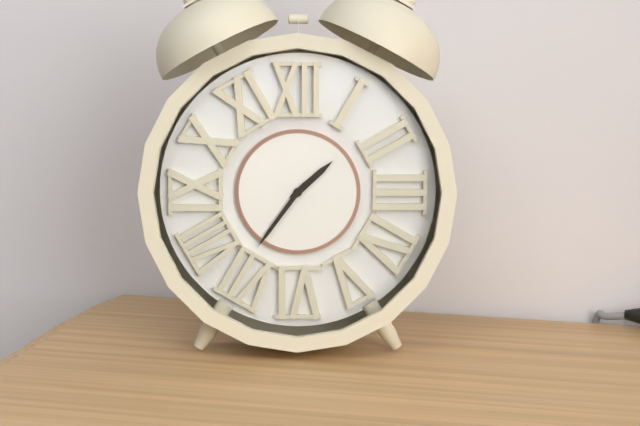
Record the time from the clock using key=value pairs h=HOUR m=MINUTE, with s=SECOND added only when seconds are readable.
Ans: h=1 m=36
